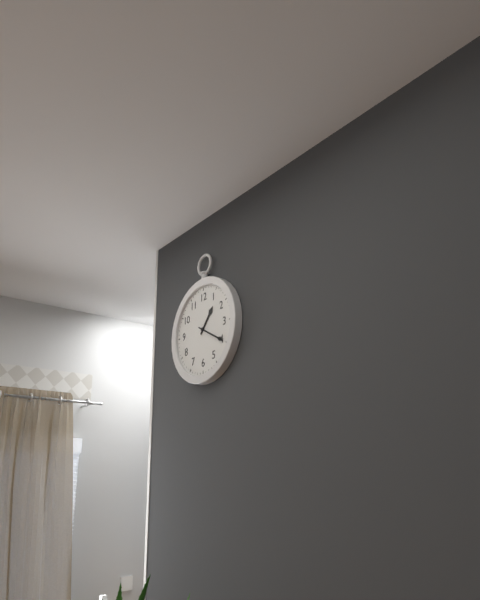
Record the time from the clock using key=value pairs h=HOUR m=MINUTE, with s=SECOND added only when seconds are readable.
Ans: h=1 m=20
